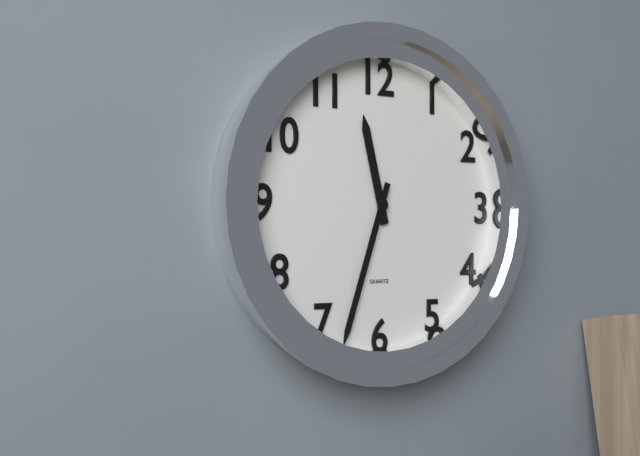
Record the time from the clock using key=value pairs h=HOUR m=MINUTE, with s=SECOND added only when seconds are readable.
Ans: h=11 m=33
